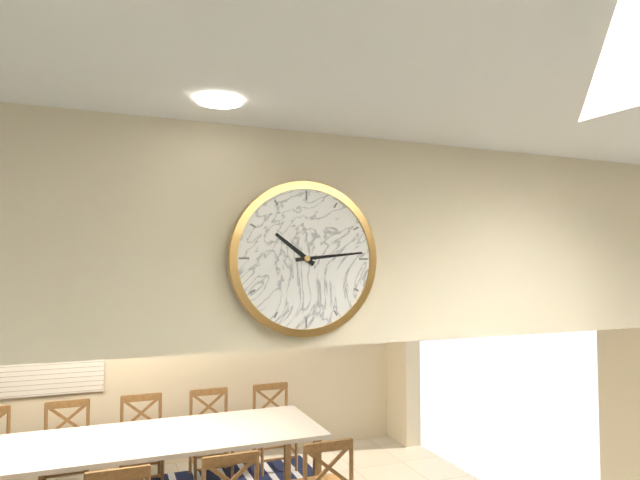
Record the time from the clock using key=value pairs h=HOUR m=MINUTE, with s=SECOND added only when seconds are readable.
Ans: h=10 m=14
